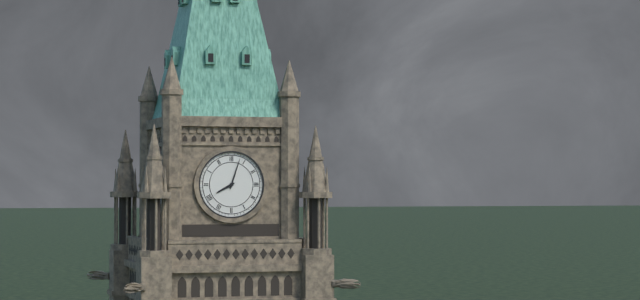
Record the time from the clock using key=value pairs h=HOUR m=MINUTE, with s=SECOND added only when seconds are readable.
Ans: h=8 m=3
